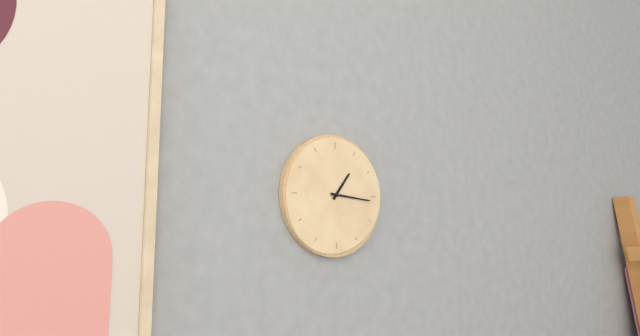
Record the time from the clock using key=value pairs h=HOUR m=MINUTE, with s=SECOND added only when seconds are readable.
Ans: h=1 m=16
